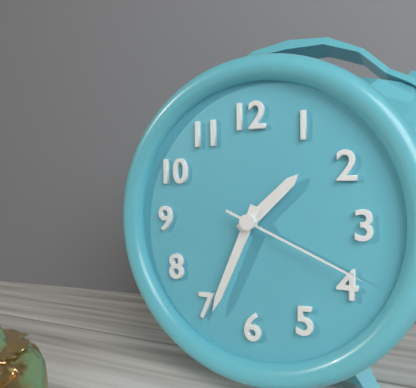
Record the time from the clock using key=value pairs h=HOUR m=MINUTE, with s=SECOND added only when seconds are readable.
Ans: h=1 m=34 s=19
